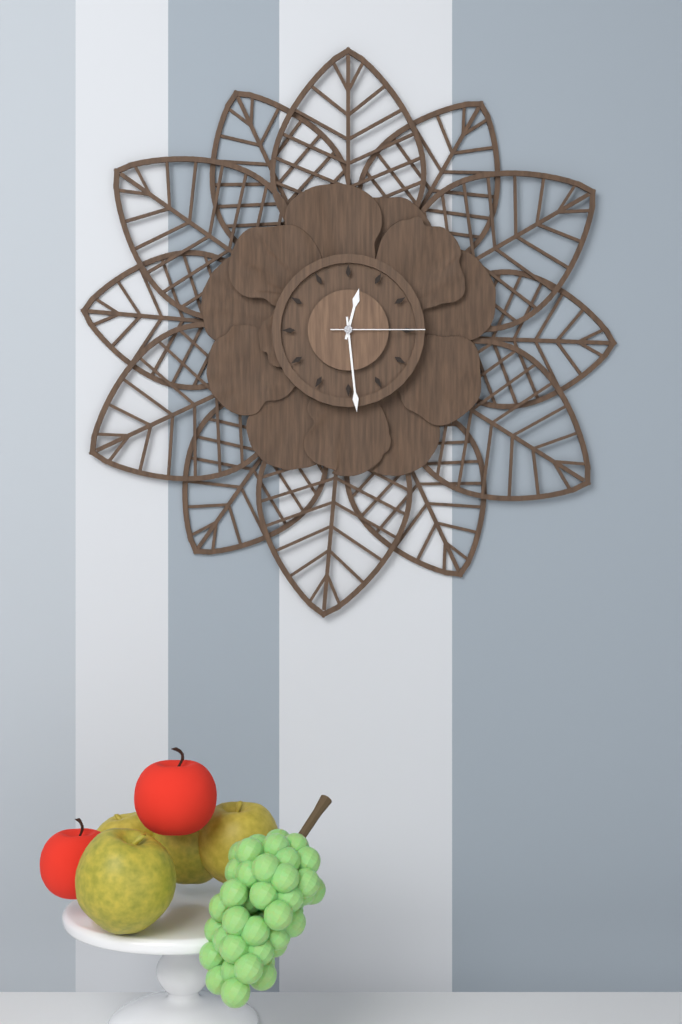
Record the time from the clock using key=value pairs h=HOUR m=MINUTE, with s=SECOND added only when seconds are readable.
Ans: h=12 m=29 s=15
